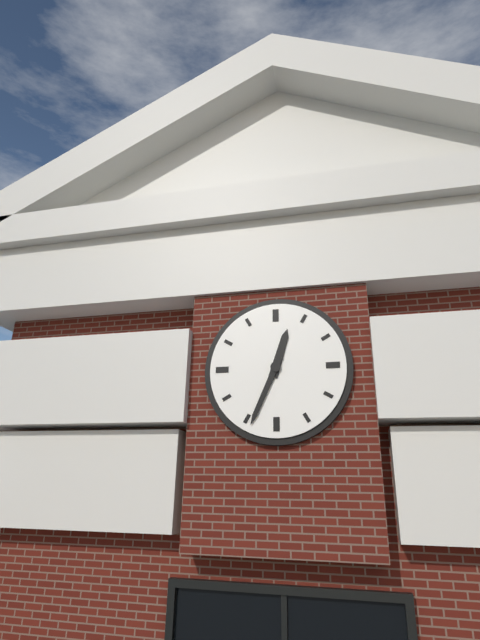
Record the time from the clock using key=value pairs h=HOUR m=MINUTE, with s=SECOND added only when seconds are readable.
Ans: h=12 m=34
